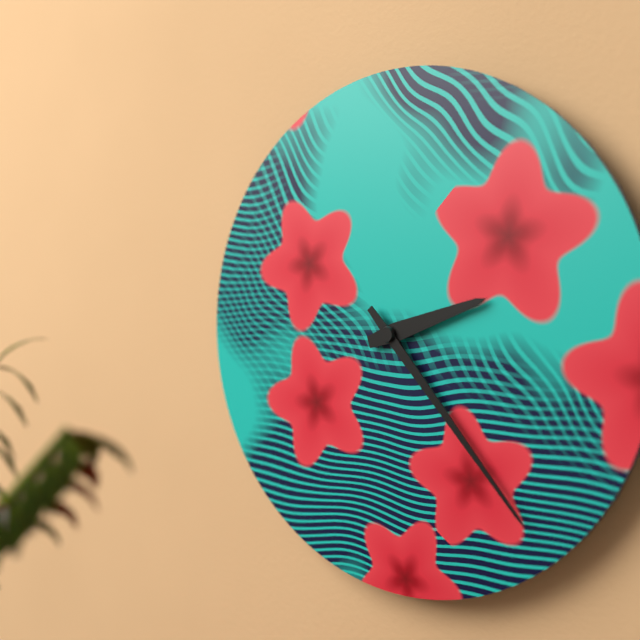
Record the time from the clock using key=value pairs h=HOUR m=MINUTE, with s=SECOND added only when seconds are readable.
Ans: h=2 m=23
